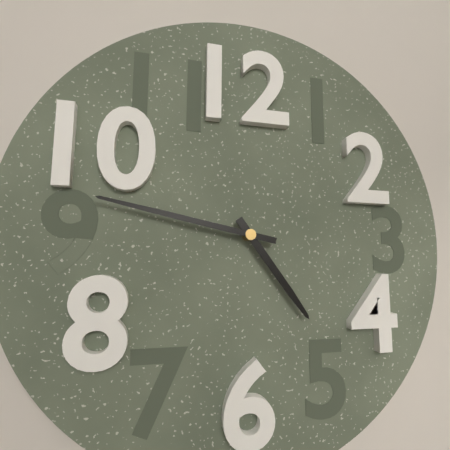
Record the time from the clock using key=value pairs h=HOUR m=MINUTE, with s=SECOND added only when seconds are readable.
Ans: h=4 m=47
